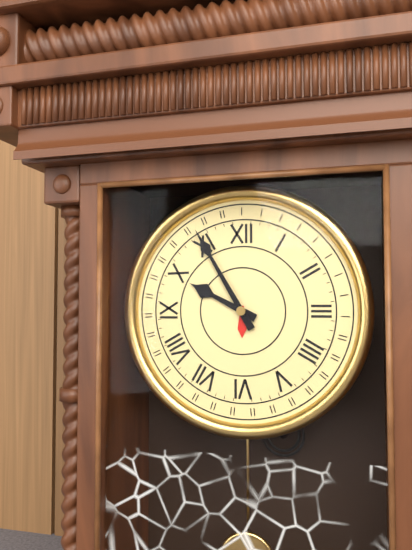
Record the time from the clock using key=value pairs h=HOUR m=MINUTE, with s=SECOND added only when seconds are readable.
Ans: h=9 m=55
